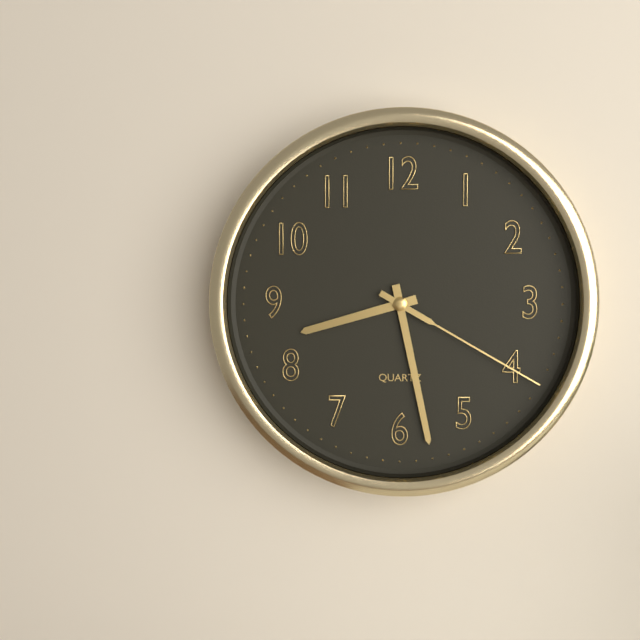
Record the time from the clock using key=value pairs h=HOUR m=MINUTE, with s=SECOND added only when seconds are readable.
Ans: h=8 m=28 s=20
